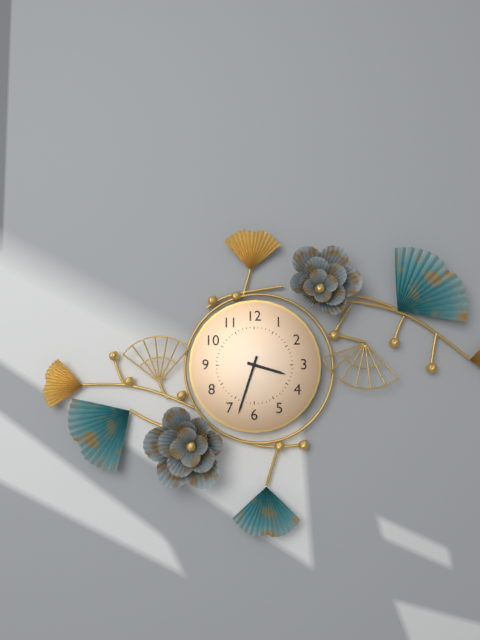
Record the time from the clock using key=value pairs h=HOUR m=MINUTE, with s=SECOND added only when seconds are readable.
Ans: h=3 m=33
